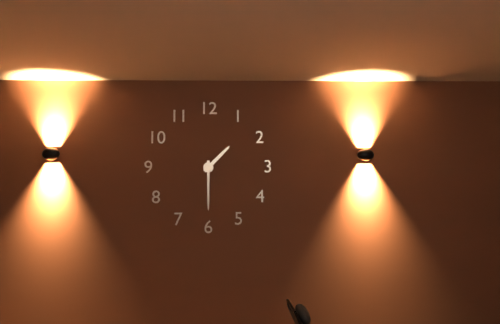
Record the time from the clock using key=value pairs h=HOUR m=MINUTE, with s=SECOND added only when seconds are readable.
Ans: h=1 m=30
